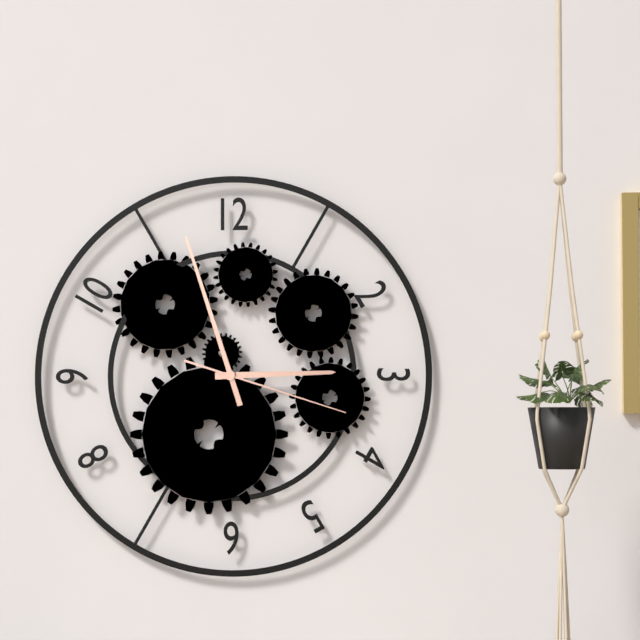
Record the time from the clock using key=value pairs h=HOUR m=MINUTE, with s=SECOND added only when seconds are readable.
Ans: h=2 m=57 s=18
